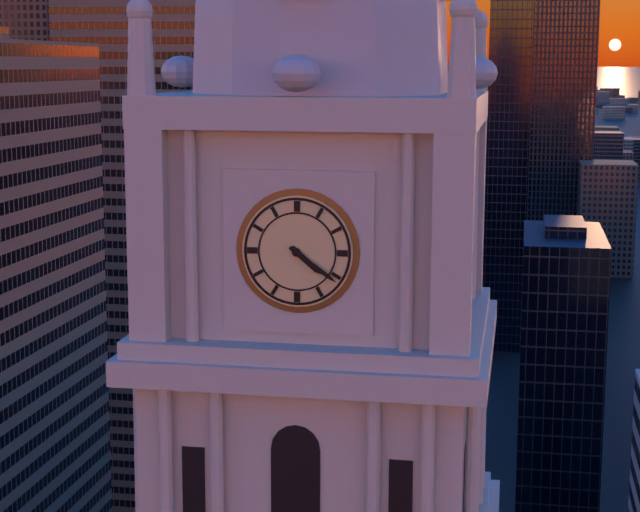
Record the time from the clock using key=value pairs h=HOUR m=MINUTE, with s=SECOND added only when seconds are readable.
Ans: h=4 m=21
